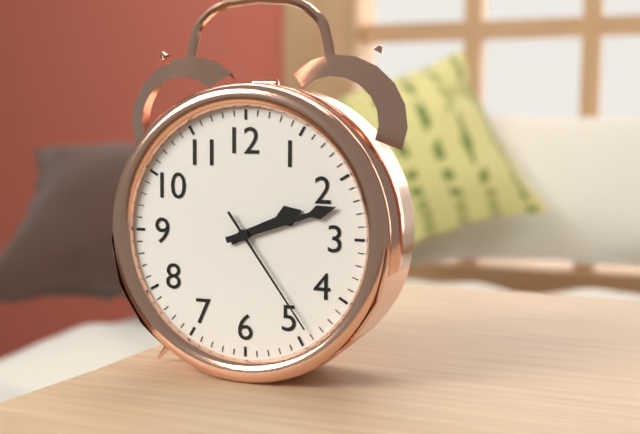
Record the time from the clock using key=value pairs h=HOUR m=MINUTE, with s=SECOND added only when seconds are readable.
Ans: h=2 m=12 s=24
